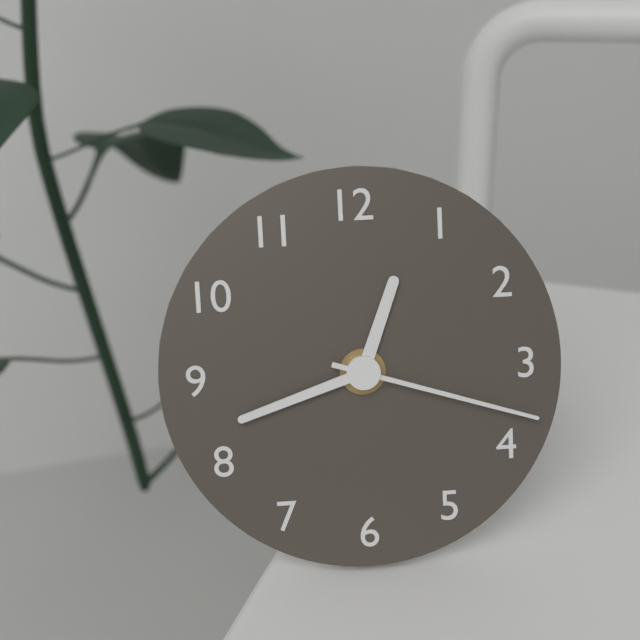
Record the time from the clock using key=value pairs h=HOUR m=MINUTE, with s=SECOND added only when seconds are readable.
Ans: h=12 m=42 s=18
